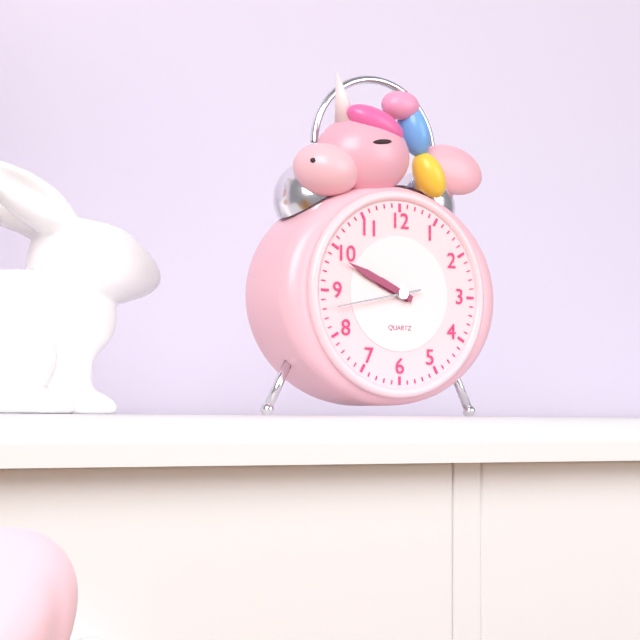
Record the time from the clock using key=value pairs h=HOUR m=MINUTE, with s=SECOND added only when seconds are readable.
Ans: h=9 m=49 s=43
